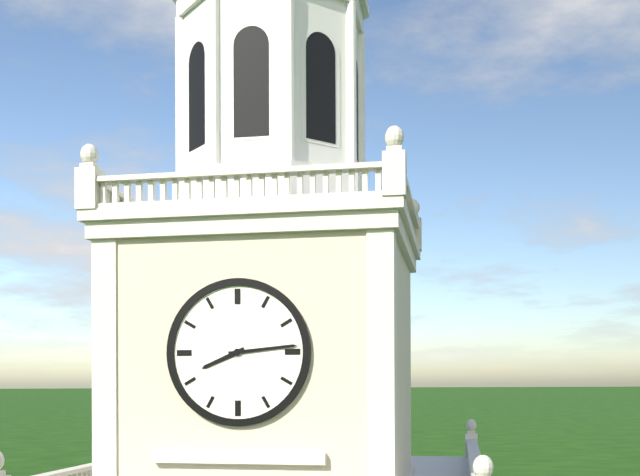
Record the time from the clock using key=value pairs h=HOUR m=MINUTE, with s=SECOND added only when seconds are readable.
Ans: h=8 m=14
